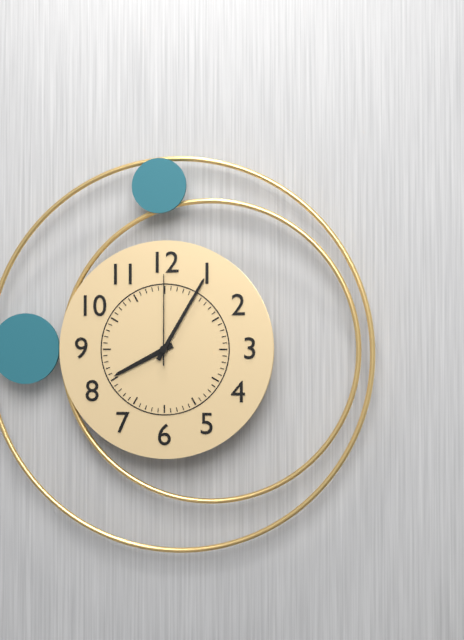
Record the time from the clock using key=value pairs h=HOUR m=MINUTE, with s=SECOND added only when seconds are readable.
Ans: h=8 m=5 s=0
